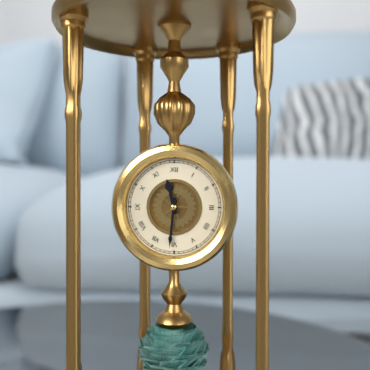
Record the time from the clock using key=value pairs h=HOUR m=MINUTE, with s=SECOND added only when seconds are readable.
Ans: h=11 m=31
